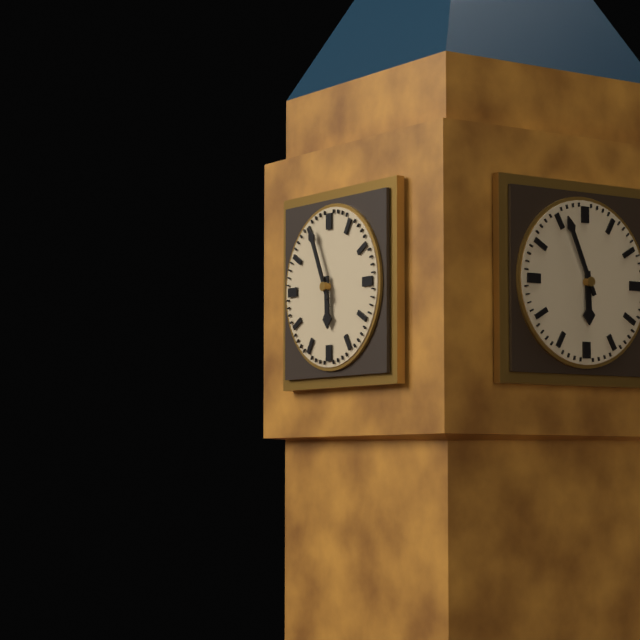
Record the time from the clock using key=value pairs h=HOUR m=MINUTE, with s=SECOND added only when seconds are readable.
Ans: h=5 m=56
